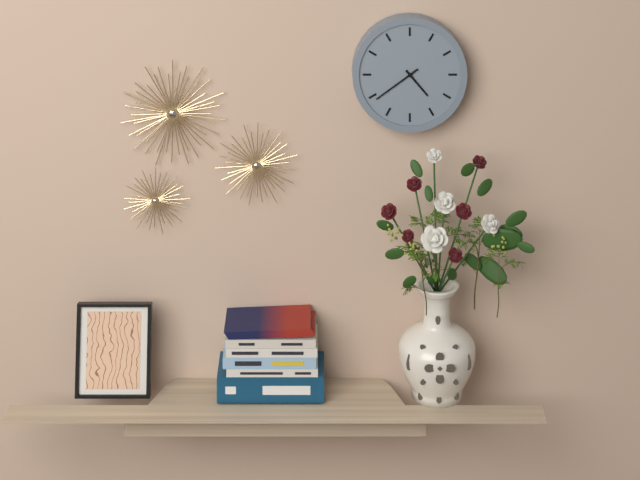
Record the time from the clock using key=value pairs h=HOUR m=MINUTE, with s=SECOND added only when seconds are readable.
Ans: h=4 m=39
